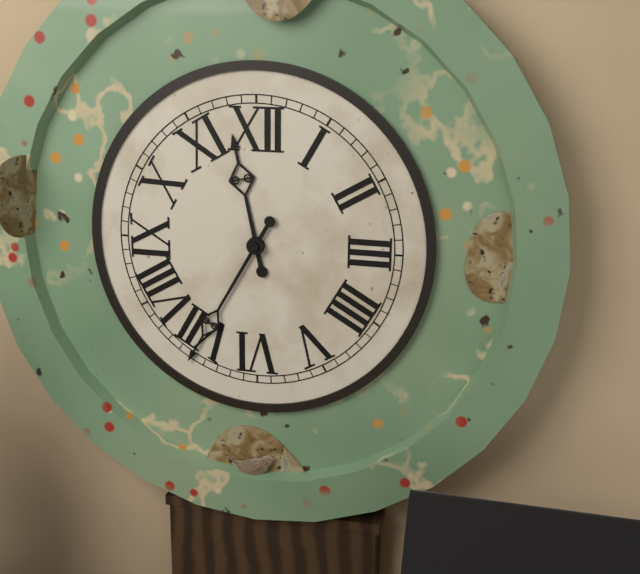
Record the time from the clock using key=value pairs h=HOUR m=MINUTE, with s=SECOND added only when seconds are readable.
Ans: h=11 m=35
